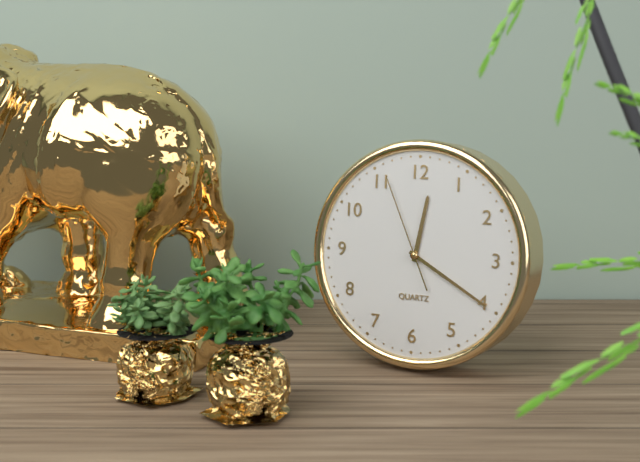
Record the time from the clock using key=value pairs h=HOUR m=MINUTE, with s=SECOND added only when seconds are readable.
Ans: h=12 m=20 s=56
